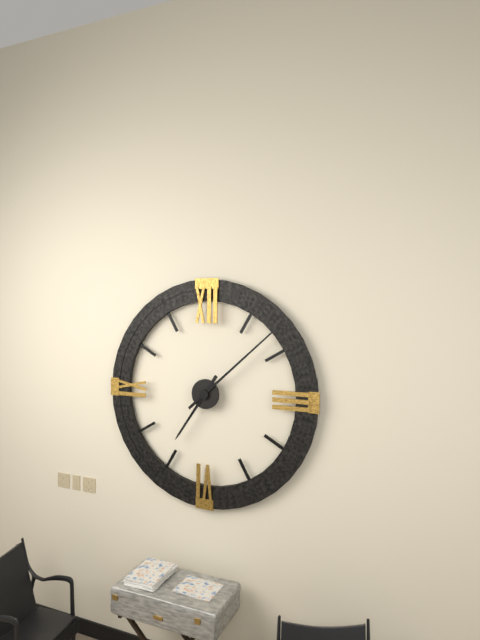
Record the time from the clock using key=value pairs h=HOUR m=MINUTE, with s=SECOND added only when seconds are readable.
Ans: h=7 m=8
